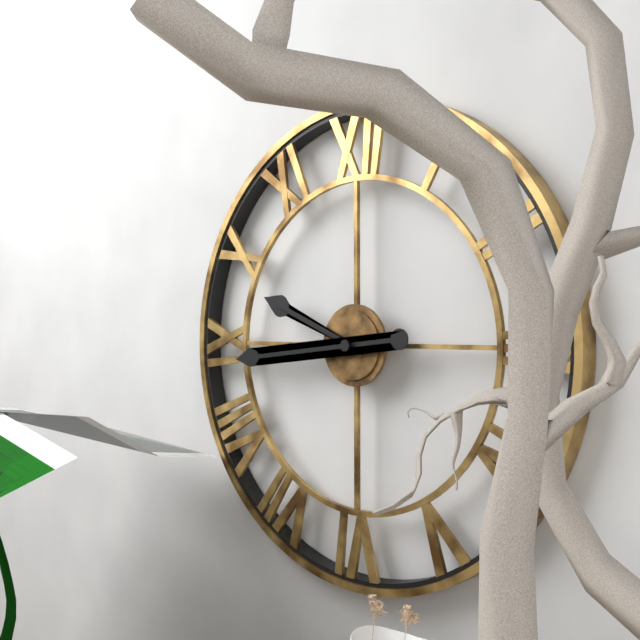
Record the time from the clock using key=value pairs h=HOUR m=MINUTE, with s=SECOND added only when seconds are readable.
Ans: h=9 m=44
